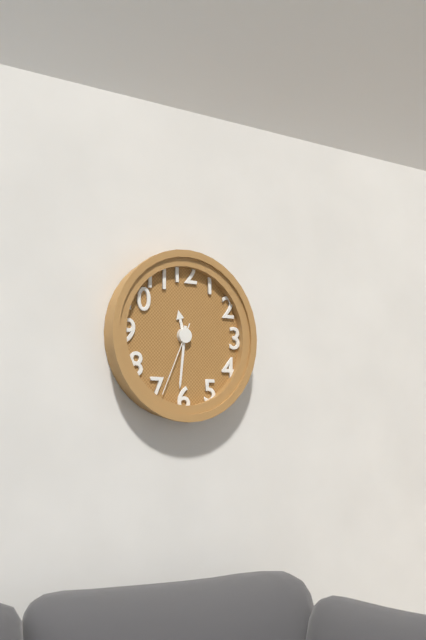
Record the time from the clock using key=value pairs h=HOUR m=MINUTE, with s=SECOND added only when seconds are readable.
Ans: h=11 m=31 s=34
